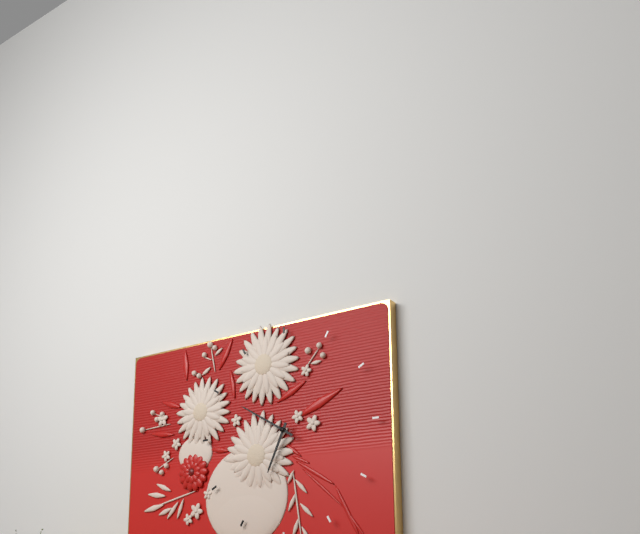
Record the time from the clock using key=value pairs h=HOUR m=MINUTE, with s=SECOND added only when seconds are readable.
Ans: h=6 m=50
